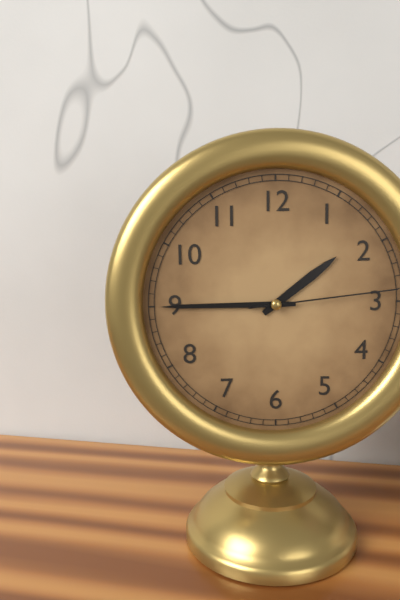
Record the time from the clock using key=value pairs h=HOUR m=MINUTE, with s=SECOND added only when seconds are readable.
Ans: h=1 m=45 s=14
